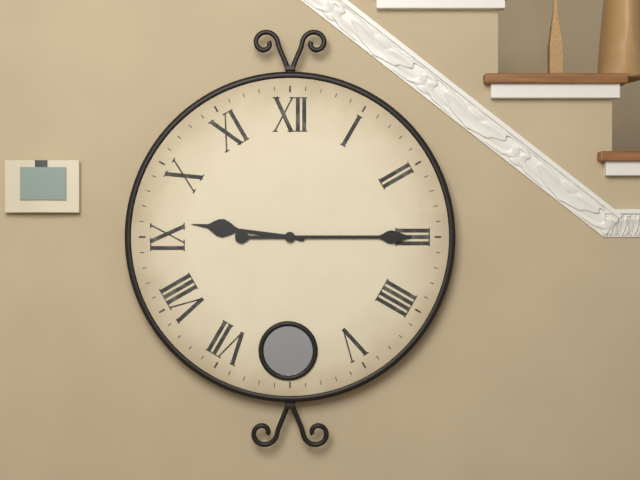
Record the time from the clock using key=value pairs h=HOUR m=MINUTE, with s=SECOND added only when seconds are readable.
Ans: h=9 m=15
